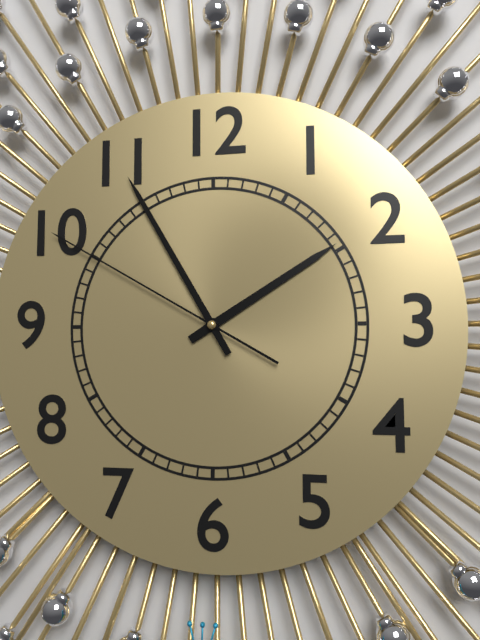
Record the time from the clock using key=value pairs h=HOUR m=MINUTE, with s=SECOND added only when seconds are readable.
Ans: h=1 m=55 s=50
